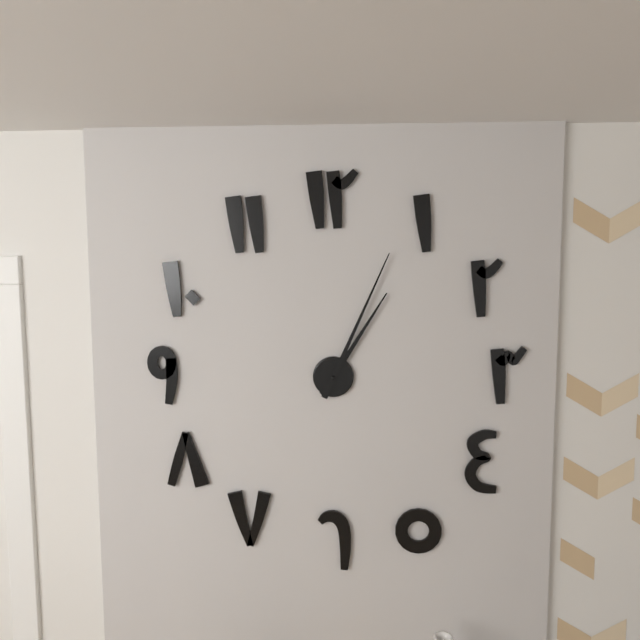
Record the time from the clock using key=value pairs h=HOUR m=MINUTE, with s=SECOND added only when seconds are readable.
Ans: h=1 m=4
